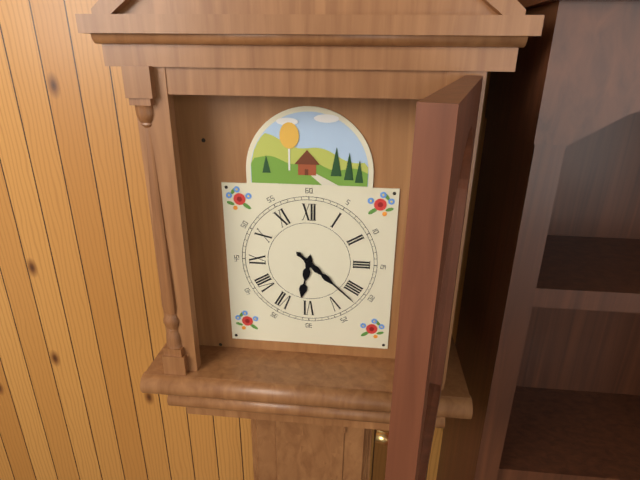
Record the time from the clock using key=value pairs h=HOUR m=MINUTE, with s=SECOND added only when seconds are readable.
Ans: h=6 m=22
